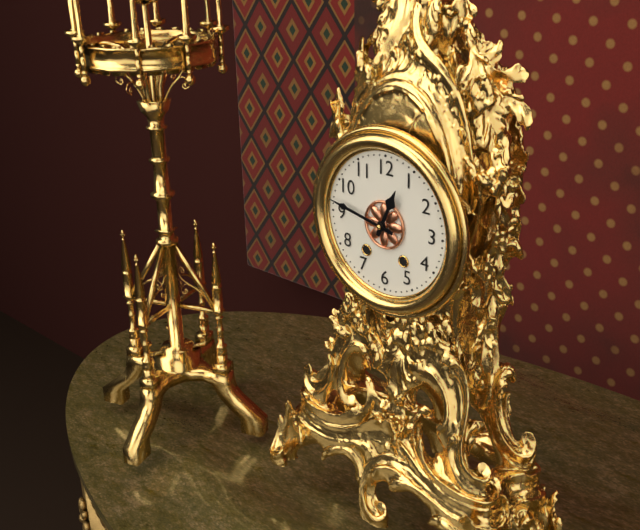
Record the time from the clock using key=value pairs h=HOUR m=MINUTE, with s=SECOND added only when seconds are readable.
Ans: h=12 m=47
